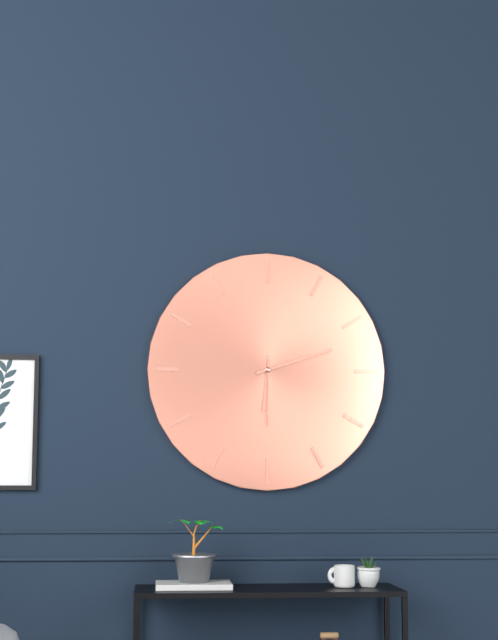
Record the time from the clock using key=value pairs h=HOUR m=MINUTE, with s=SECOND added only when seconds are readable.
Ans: h=6 m=12 s=30
